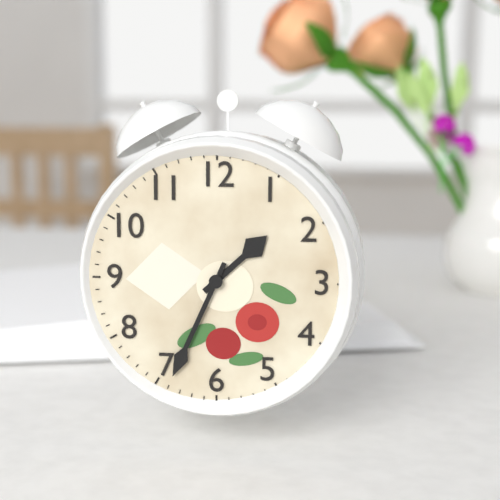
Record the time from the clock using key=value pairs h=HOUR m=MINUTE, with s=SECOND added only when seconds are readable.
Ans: h=1 m=34
